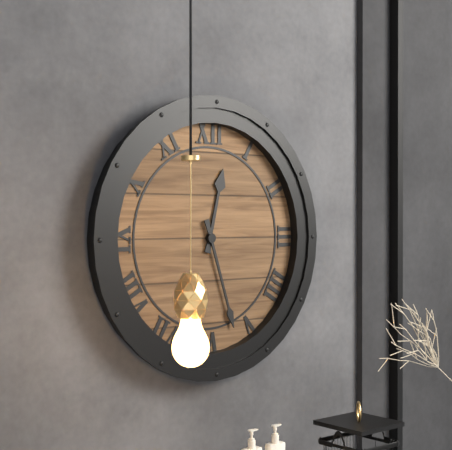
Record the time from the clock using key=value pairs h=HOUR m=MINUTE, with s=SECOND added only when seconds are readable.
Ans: h=12 m=27
